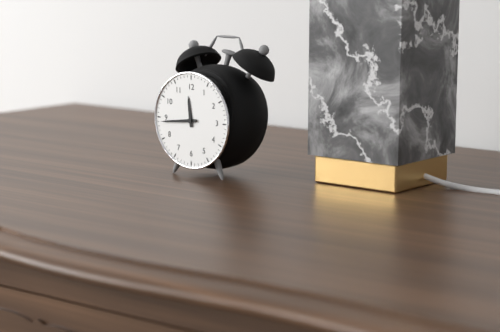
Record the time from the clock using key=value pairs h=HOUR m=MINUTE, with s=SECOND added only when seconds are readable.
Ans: h=11 m=44
